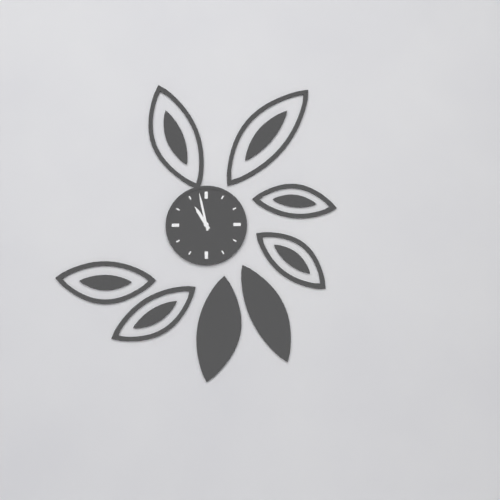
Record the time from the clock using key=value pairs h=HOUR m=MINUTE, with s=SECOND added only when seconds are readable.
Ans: h=10 m=58
